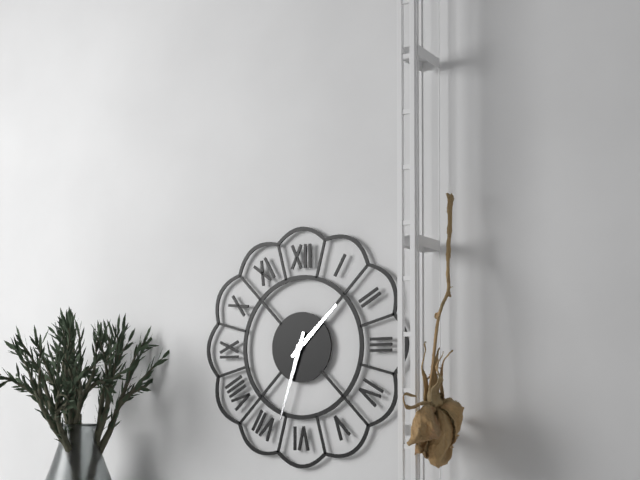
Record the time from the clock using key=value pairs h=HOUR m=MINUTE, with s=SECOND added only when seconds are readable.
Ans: h=1 m=33
